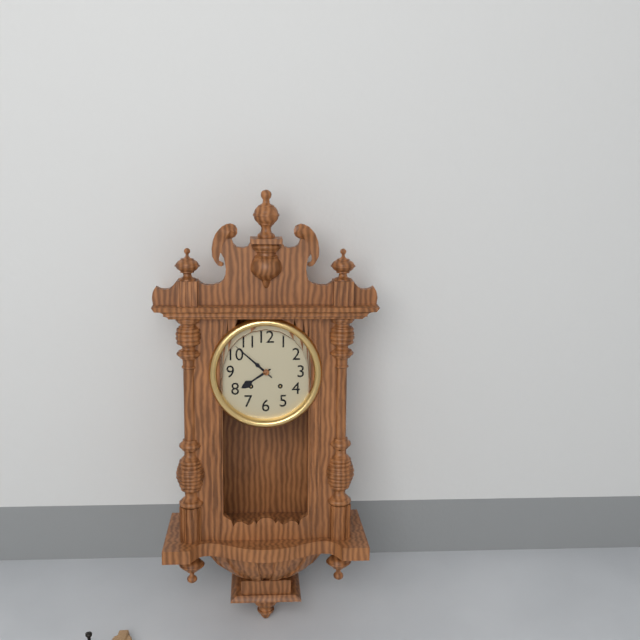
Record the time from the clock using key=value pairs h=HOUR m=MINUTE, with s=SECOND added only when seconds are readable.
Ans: h=7 m=52
